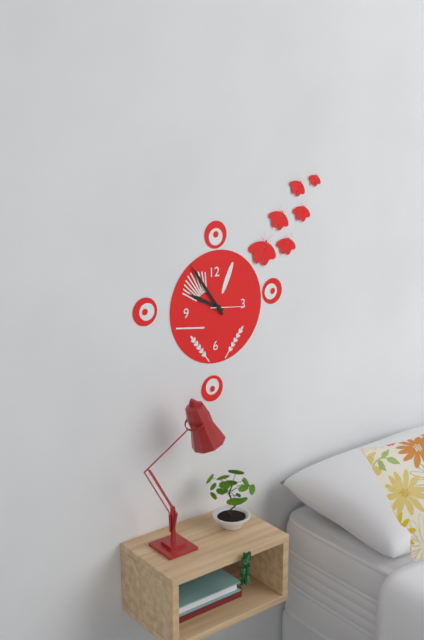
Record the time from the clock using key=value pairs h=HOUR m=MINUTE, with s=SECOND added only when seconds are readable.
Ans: h=9 m=54
